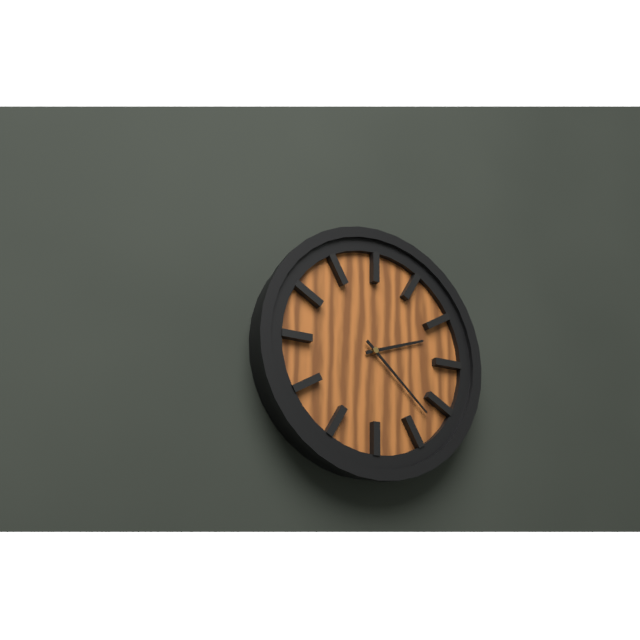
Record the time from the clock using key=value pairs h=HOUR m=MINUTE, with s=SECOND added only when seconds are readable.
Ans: h=2 m=22
